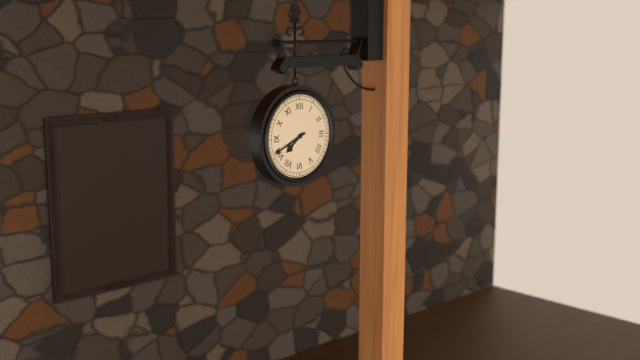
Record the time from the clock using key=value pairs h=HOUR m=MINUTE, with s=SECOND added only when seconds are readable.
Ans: h=7 m=41
